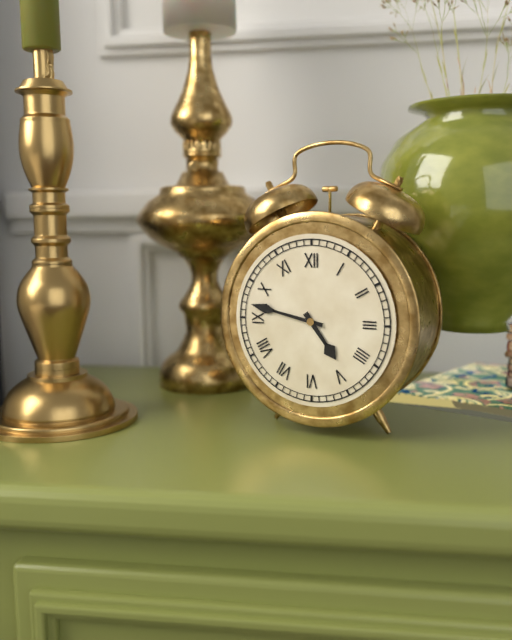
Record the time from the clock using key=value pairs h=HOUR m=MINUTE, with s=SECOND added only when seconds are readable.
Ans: h=4 m=47
